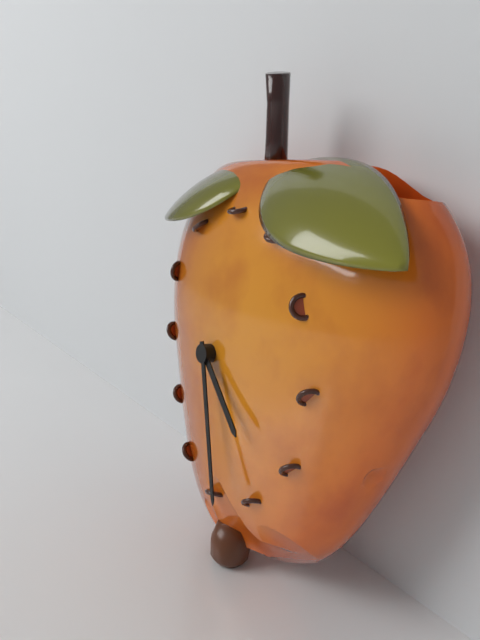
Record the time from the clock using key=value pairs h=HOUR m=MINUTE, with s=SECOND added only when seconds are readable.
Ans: h=4 m=27
